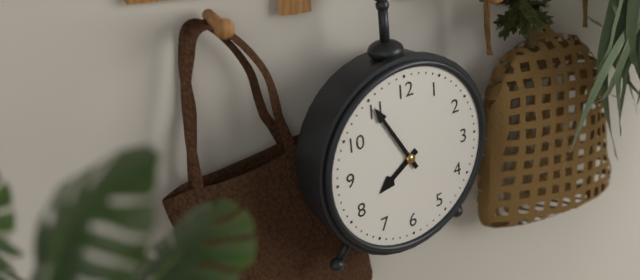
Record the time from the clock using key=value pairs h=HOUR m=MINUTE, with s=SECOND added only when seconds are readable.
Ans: h=7 m=55
